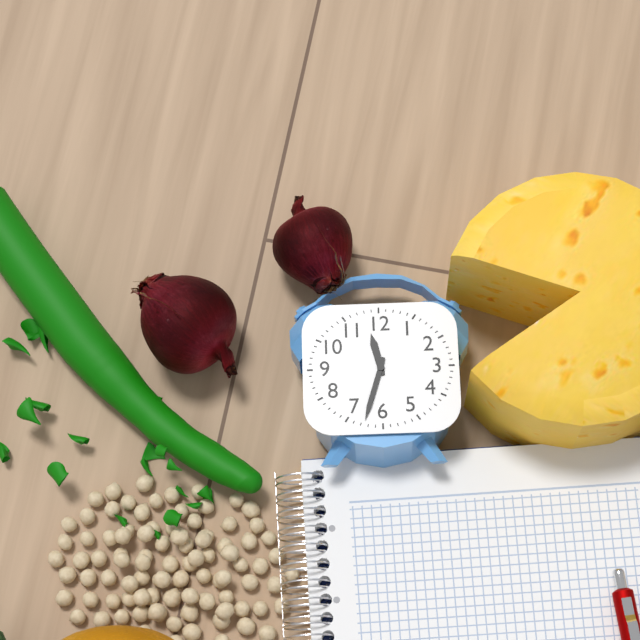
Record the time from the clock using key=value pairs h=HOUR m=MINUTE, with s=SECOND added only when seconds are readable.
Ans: h=11 m=33
